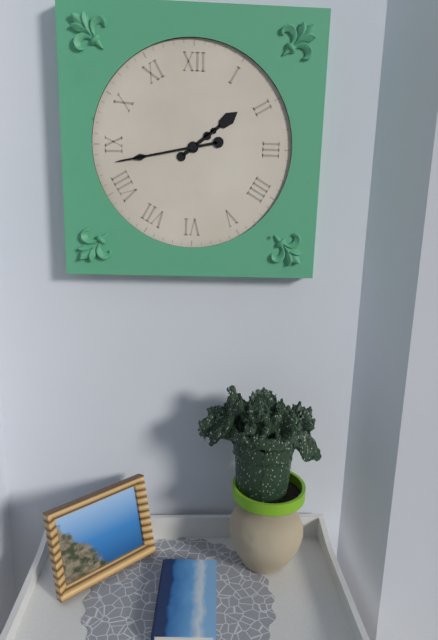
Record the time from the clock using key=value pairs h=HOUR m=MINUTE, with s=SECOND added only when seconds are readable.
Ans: h=1 m=43
